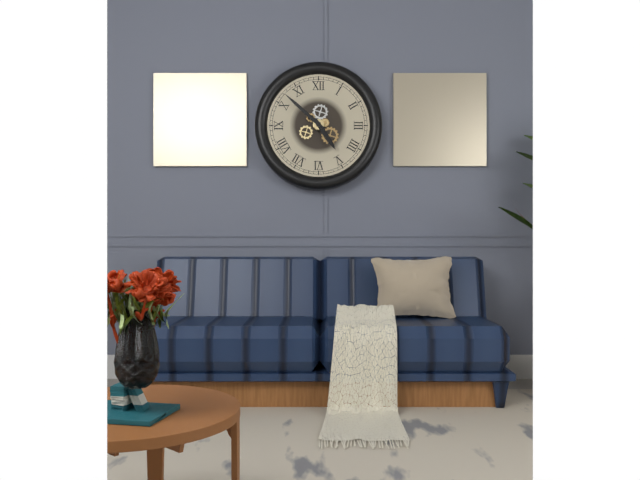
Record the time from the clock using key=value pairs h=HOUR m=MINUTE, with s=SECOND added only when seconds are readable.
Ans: h=4 m=52
